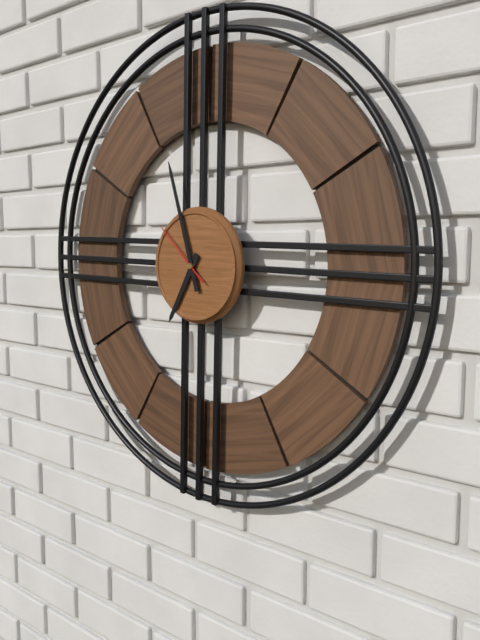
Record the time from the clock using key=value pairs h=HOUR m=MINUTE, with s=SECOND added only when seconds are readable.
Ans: h=6 m=57 s=52
